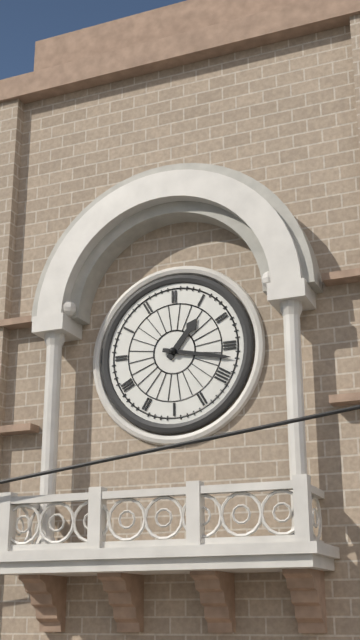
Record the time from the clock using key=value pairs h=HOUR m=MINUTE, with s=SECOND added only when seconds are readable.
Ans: h=1 m=17
